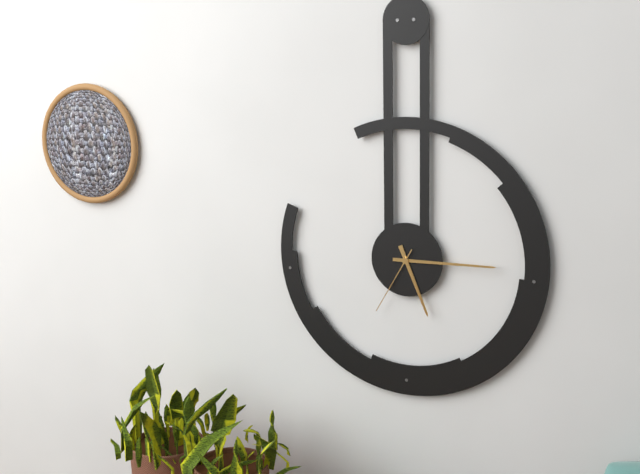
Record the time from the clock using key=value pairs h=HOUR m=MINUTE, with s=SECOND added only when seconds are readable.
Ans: h=5 m=15 s=35
